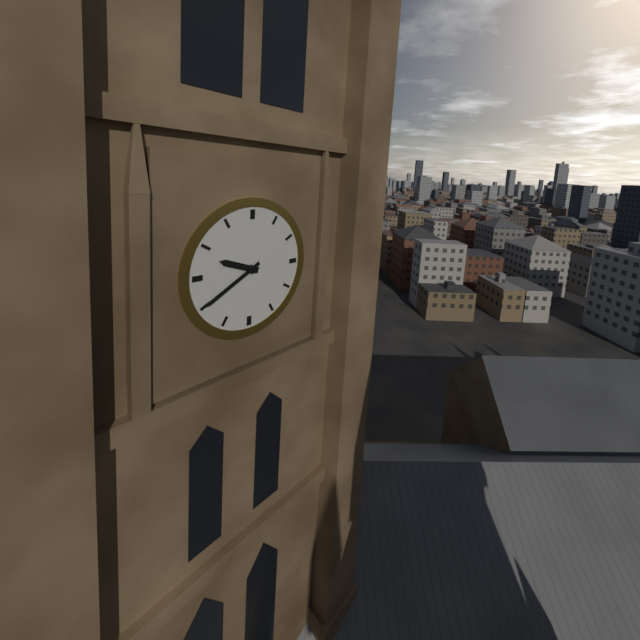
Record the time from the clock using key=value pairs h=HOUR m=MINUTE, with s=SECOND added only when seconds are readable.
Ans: h=9 m=40
